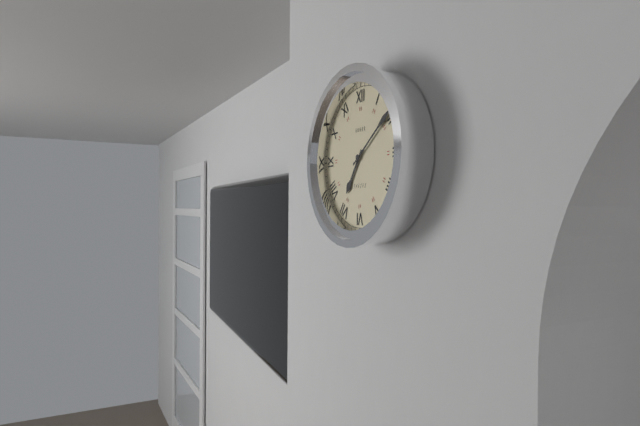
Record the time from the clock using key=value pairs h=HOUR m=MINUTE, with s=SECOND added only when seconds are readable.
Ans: h=7 m=9
